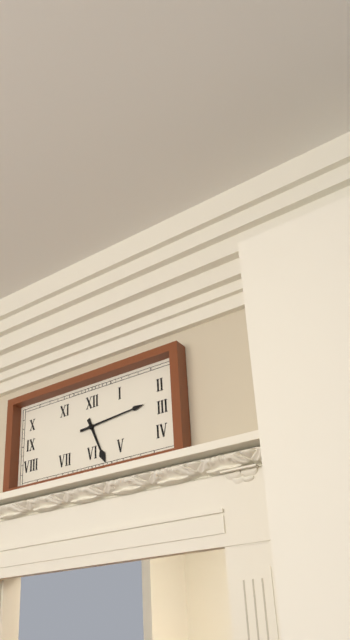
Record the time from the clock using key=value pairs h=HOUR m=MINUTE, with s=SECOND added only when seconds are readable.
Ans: h=5 m=14
